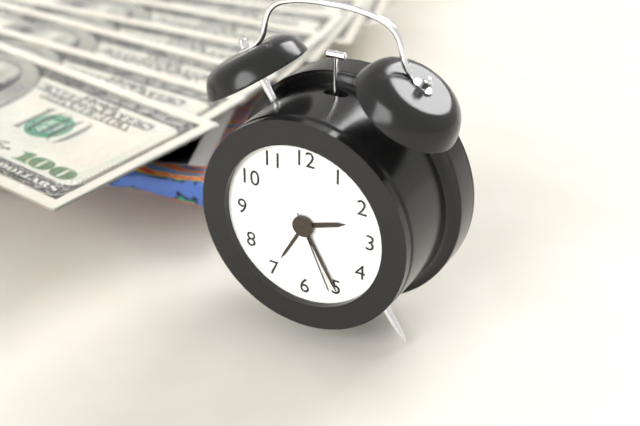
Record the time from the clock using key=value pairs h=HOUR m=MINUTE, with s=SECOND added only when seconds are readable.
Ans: h=2 m=25 s=26
